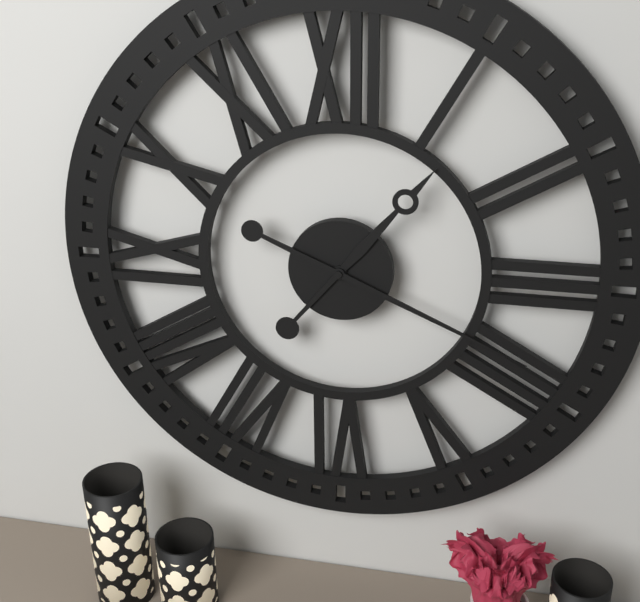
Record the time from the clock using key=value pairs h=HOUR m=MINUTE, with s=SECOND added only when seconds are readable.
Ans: h=1 m=19
